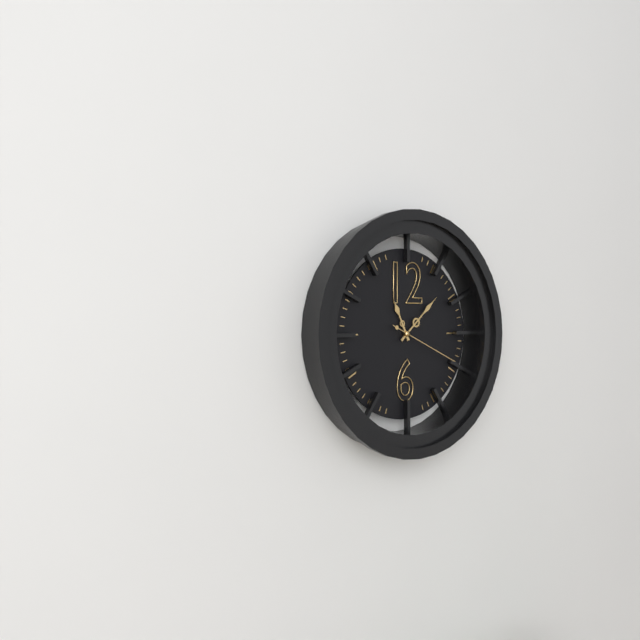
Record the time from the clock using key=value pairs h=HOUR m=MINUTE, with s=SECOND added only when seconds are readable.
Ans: h=11 m=8 s=19
